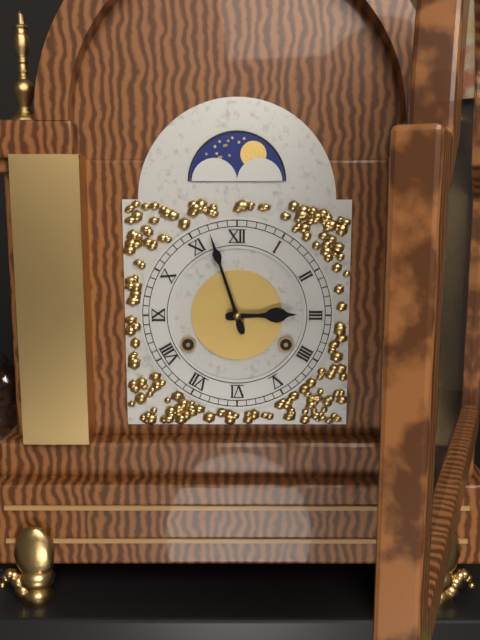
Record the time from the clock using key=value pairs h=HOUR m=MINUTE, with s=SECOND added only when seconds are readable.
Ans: h=2 m=57
